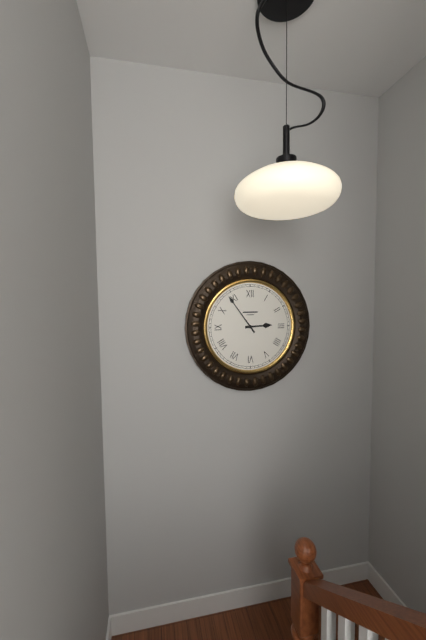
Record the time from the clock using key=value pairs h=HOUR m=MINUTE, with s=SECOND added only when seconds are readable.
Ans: h=2 m=54
